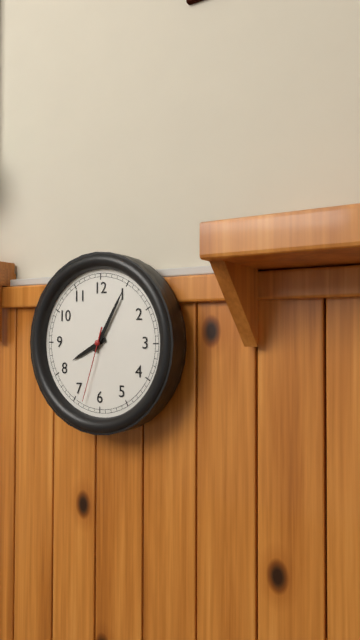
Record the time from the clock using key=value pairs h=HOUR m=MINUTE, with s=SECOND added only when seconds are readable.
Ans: h=8 m=5 s=33
